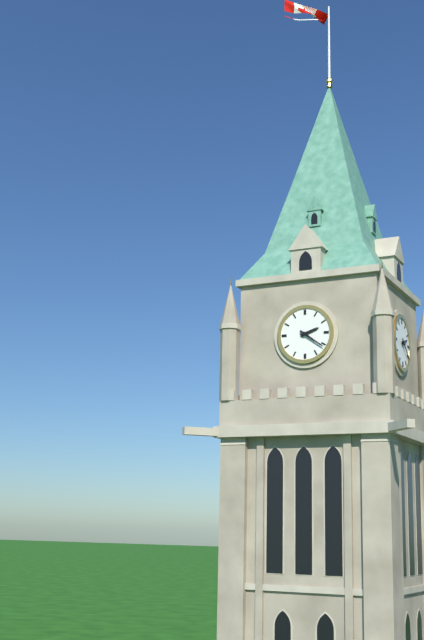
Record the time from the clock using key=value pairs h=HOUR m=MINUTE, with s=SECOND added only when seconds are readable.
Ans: h=2 m=21
